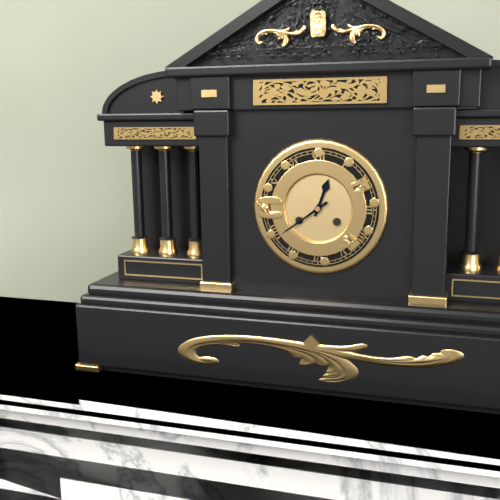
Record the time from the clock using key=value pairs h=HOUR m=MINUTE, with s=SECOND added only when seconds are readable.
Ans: h=12 m=39
